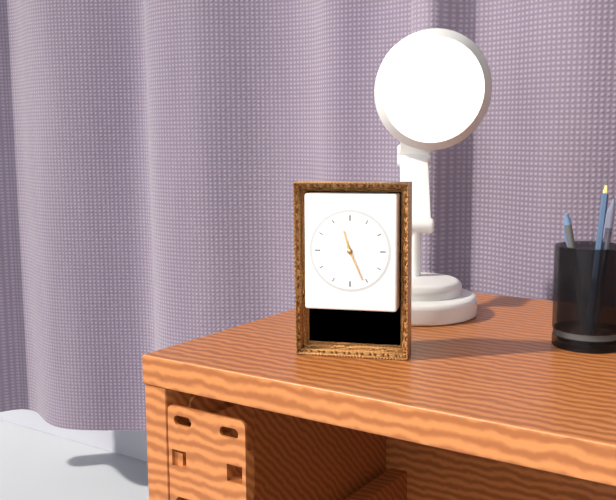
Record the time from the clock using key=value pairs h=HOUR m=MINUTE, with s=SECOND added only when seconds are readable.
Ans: h=11 m=26
